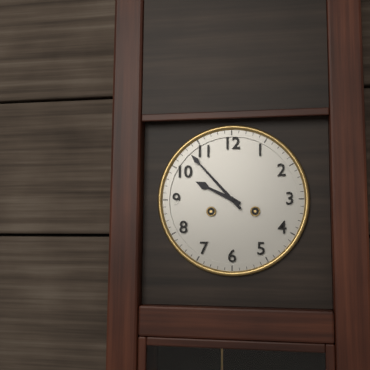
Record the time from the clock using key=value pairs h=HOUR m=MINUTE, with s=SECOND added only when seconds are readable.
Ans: h=9 m=53
